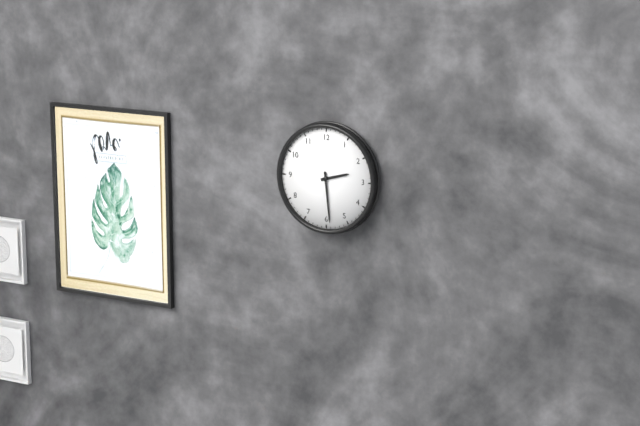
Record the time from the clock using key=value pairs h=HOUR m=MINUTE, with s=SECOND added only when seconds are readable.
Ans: h=2 m=29
